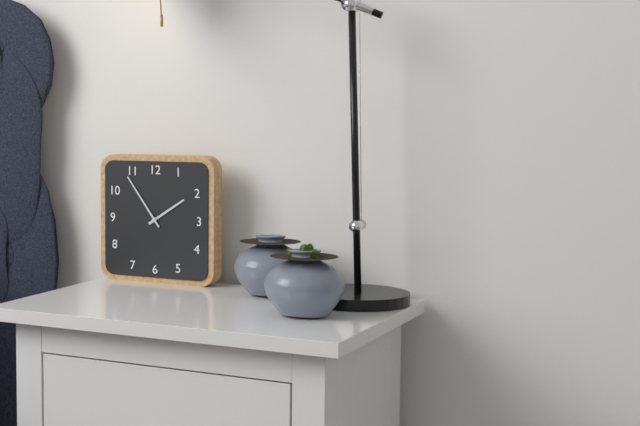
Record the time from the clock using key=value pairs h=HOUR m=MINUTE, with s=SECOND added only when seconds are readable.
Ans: h=1 m=54
